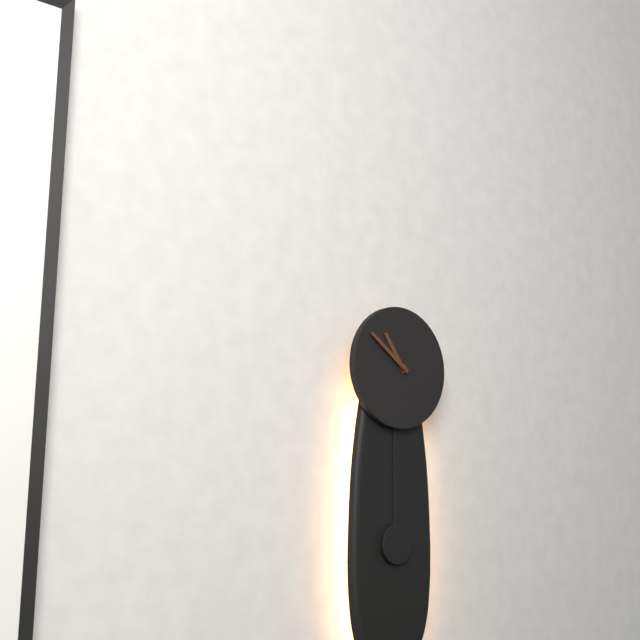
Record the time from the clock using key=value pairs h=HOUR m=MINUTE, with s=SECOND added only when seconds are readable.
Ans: h=10 m=51
